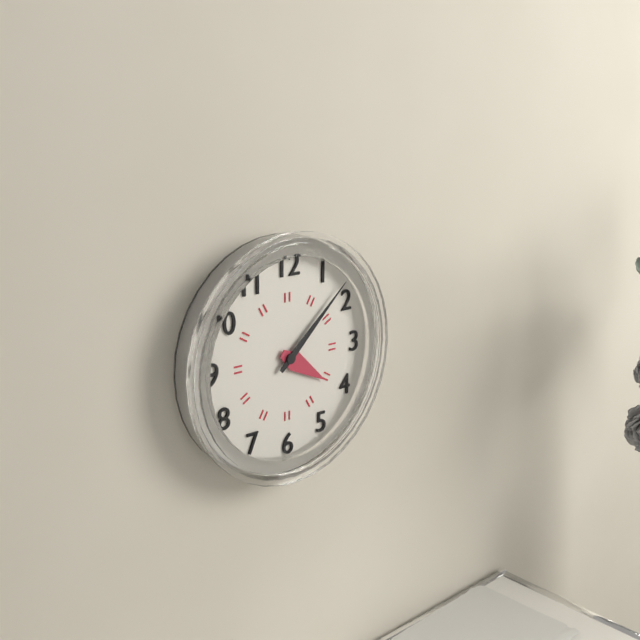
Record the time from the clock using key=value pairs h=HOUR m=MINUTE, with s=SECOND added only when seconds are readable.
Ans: h=4 m=8
